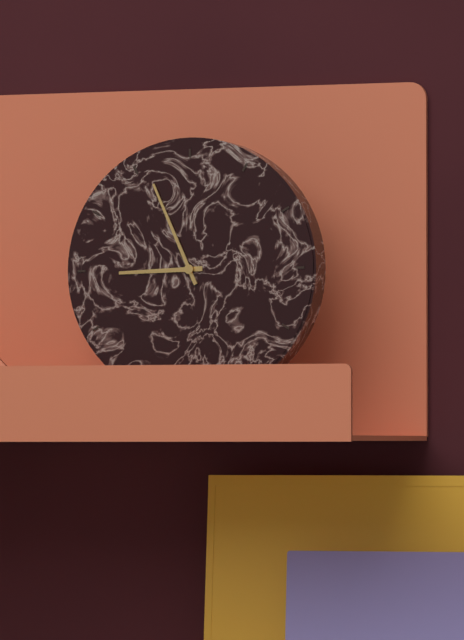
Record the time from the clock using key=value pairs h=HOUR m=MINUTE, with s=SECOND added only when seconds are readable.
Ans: h=8 m=56
